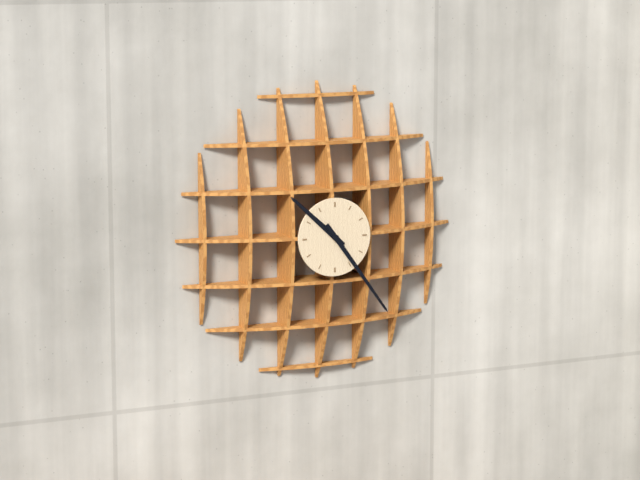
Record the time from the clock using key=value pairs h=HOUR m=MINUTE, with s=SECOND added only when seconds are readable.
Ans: h=10 m=24
